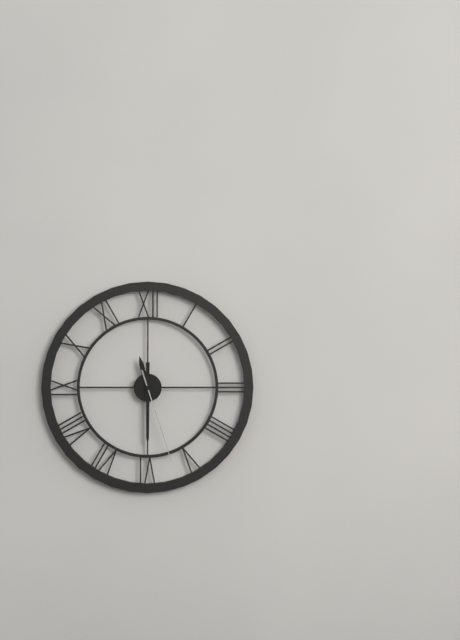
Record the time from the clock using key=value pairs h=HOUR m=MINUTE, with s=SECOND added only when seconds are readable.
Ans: h=11 m=30 s=27
